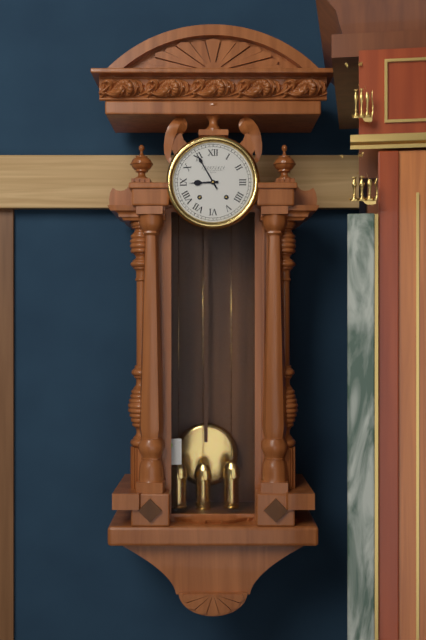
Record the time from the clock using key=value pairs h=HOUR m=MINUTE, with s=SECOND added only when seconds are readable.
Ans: h=8 m=55
